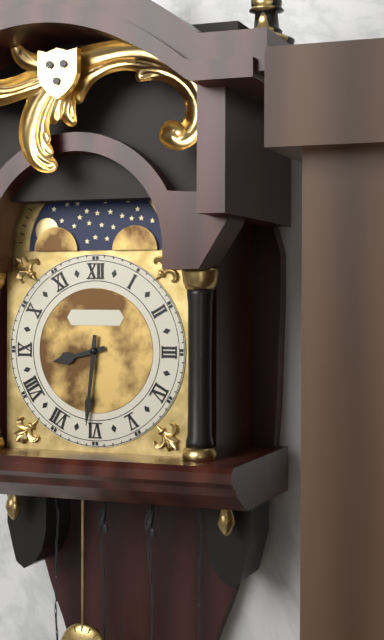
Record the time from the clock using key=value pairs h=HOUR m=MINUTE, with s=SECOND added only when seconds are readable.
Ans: h=8 m=31
